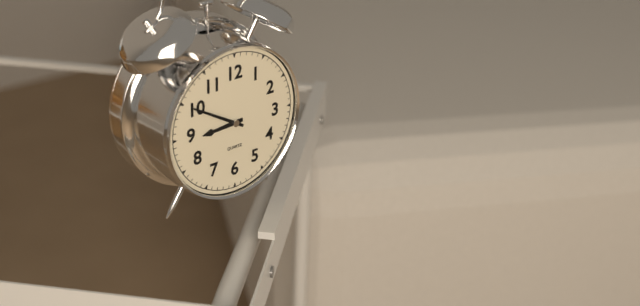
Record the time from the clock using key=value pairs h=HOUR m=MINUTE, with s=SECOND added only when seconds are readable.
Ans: h=8 m=50
